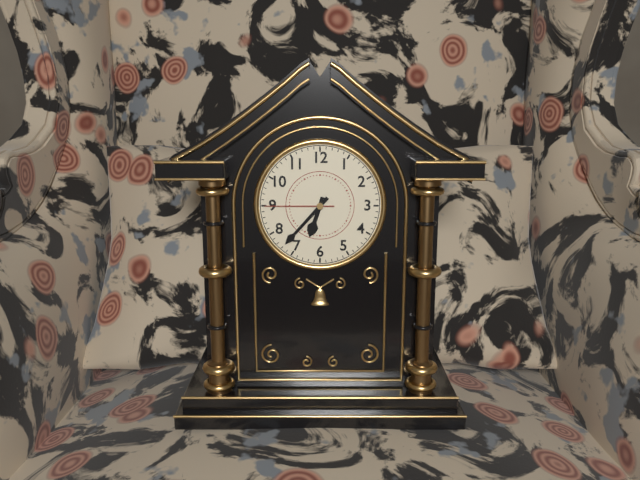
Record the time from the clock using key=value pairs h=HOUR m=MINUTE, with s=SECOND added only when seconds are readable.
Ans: h=6 m=37 s=45
